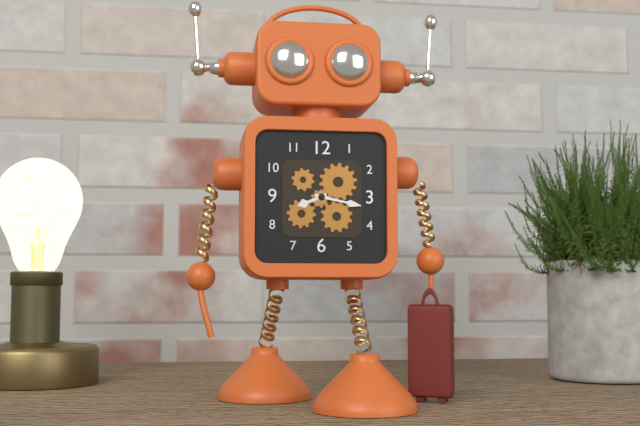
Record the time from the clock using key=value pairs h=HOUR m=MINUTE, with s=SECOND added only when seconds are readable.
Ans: h=8 m=17
